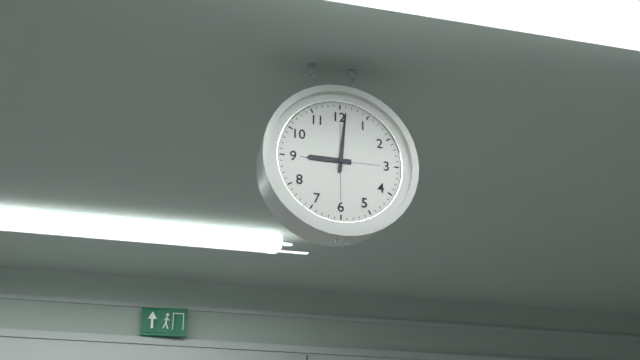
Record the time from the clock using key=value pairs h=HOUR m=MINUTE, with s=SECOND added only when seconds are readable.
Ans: h=9 m=1
